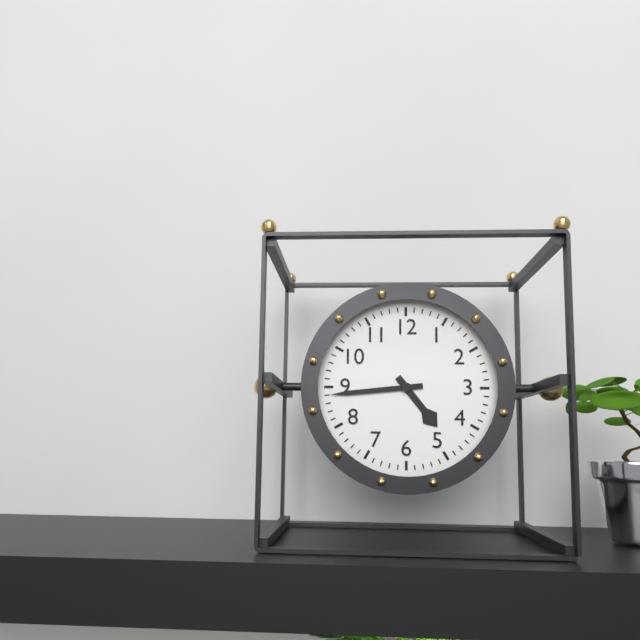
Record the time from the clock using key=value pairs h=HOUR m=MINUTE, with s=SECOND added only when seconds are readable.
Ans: h=4 m=44
